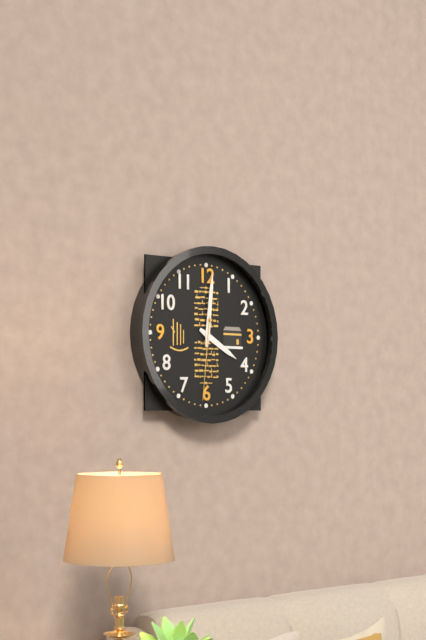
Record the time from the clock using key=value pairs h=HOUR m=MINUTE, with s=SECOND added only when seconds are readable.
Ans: h=4 m=1 s=31
